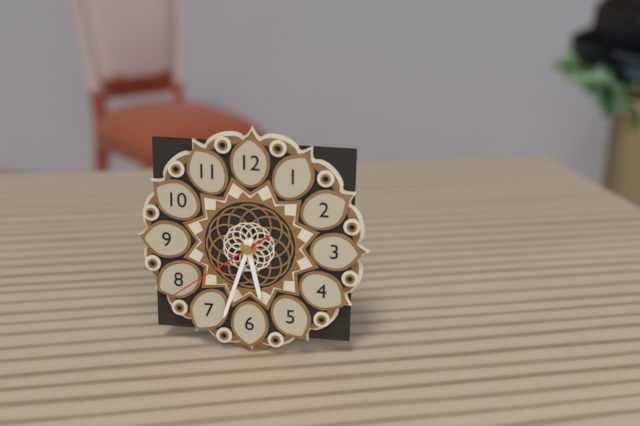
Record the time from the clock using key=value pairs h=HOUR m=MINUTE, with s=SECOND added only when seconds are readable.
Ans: h=5 m=33 s=39
